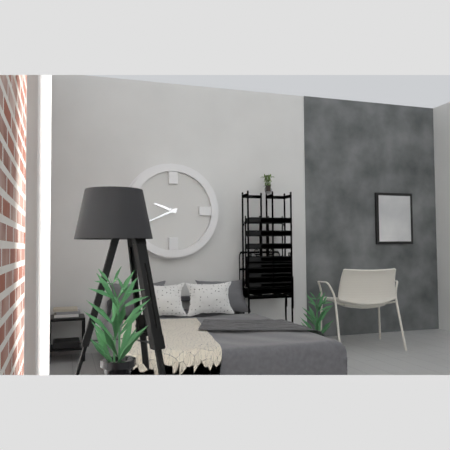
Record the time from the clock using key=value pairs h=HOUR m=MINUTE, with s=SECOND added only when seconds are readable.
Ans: h=9 m=41
